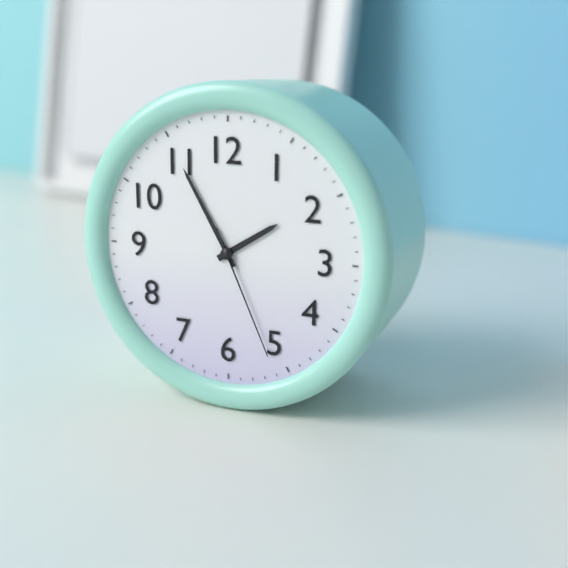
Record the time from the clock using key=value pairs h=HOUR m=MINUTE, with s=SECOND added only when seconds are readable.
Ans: h=1 m=55 s=26
